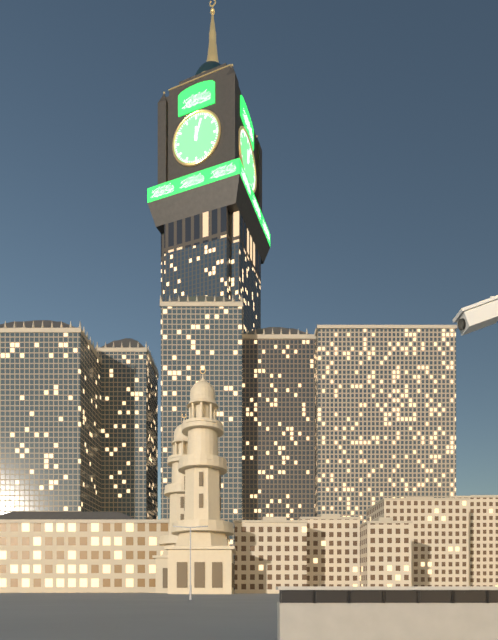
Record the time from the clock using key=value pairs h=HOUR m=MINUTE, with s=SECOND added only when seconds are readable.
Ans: h=12 m=3
